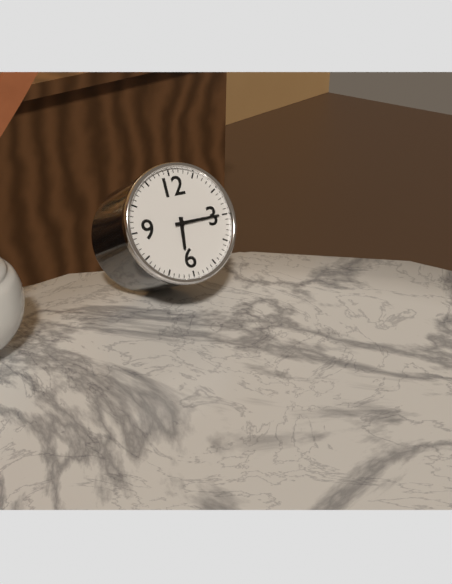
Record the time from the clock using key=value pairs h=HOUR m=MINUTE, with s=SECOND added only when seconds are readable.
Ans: h=6 m=15
